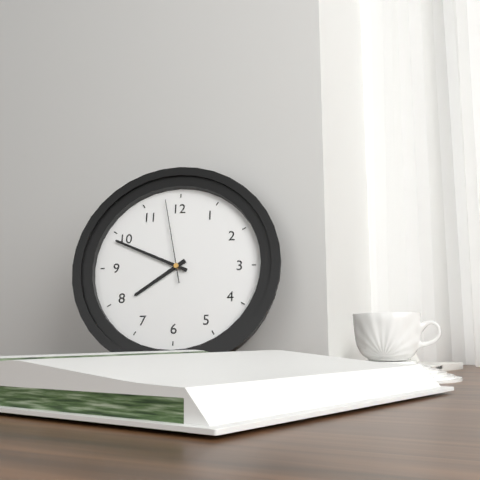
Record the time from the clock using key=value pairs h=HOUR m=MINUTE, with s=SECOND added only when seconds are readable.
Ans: h=7 m=49 s=58
